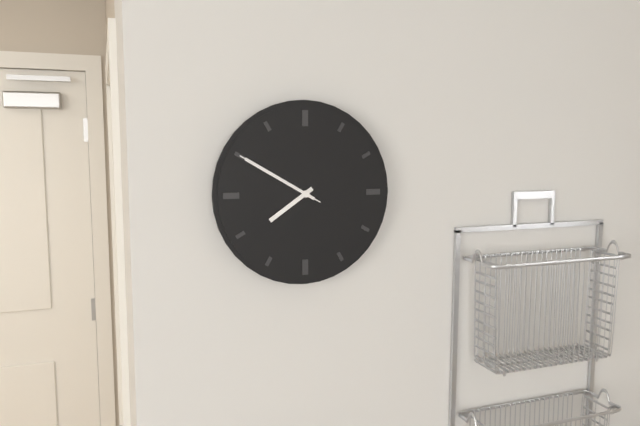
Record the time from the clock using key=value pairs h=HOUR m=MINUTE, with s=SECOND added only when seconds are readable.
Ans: h=7 m=50 s=50
